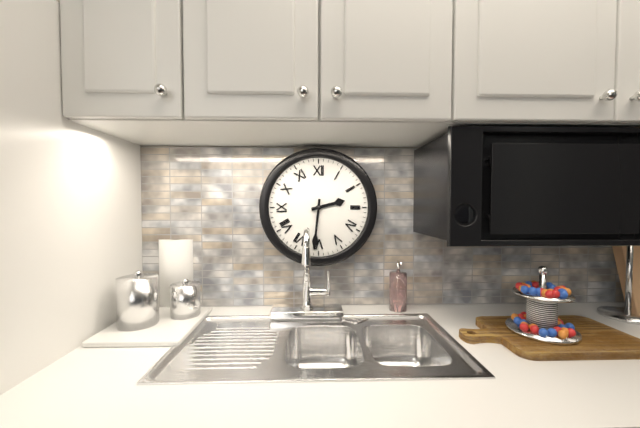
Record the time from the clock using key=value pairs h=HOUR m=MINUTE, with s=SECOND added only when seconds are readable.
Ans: h=2 m=31
